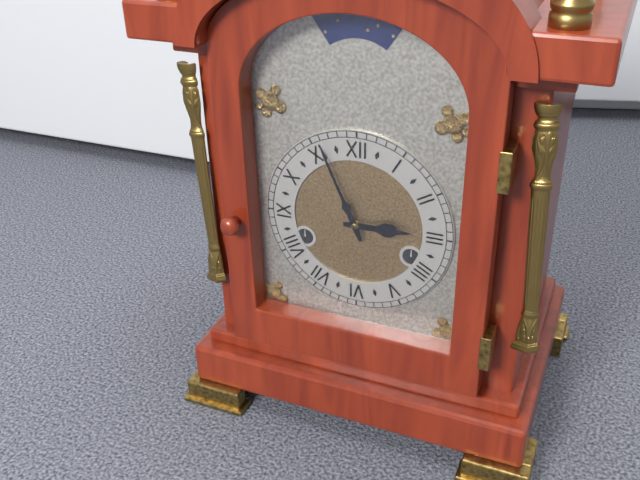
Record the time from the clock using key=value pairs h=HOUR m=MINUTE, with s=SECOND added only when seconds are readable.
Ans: h=2 m=56
